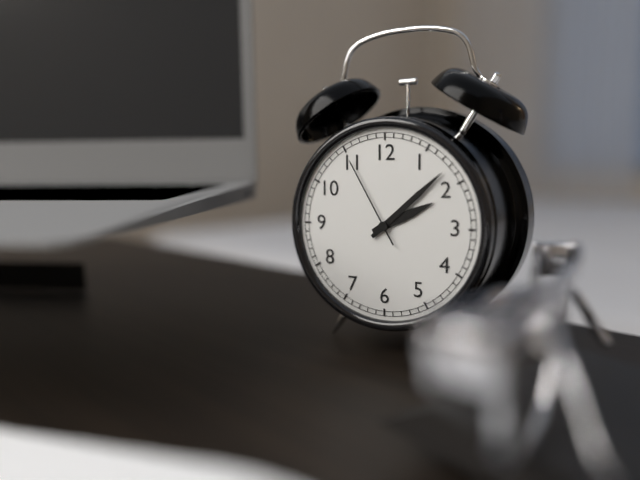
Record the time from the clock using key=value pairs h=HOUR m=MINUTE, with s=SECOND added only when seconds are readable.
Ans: h=2 m=8 s=55
